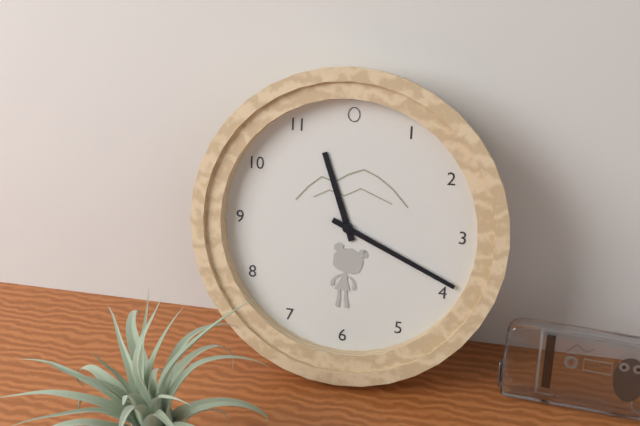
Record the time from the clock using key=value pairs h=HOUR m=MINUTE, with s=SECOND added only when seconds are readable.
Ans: h=11 m=19
